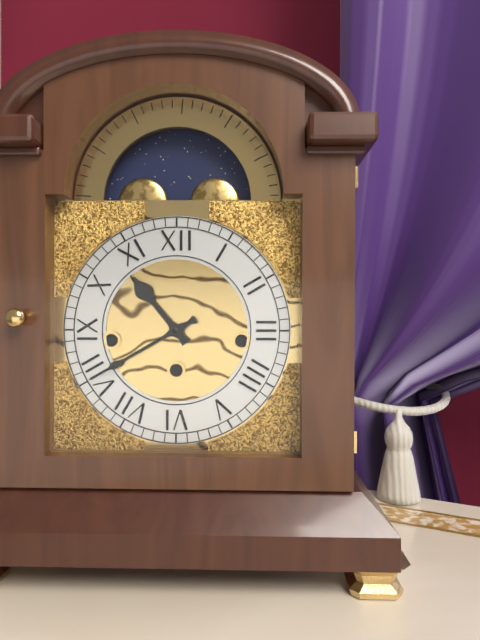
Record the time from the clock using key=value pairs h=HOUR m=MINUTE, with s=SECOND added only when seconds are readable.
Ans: h=10 m=40
